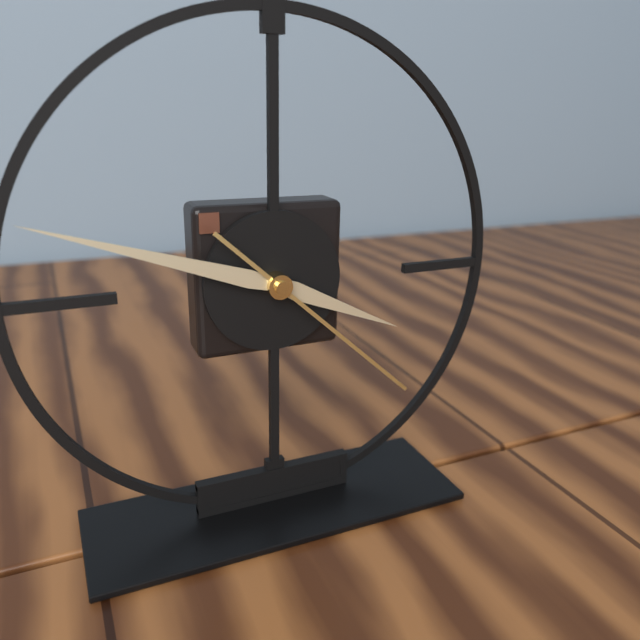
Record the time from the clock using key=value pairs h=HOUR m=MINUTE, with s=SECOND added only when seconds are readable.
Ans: h=3 m=48 s=22
